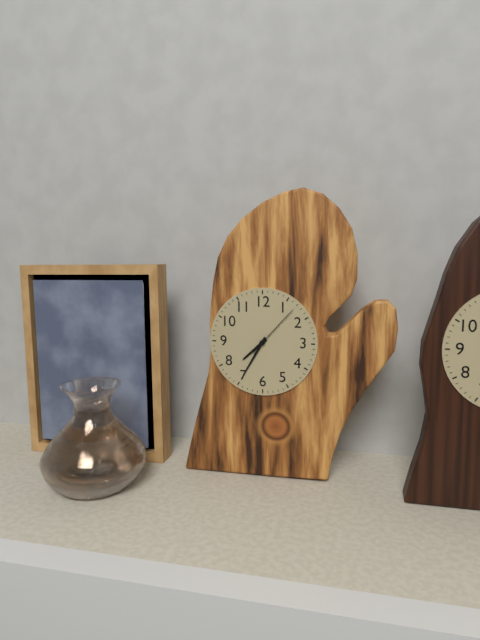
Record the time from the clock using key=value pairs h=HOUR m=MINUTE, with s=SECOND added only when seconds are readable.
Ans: h=7 m=35 s=7
